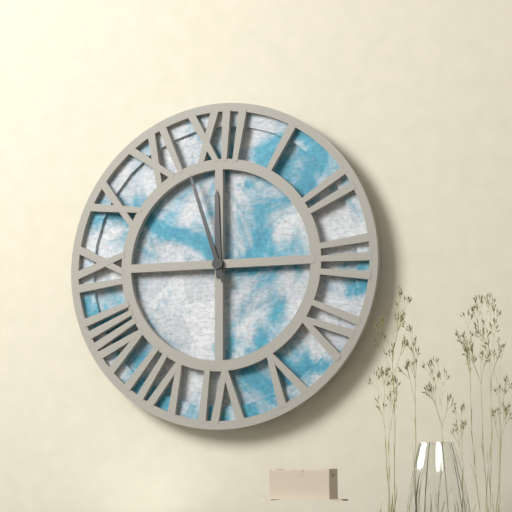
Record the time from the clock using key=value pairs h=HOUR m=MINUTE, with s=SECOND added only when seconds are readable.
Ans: h=11 m=57
